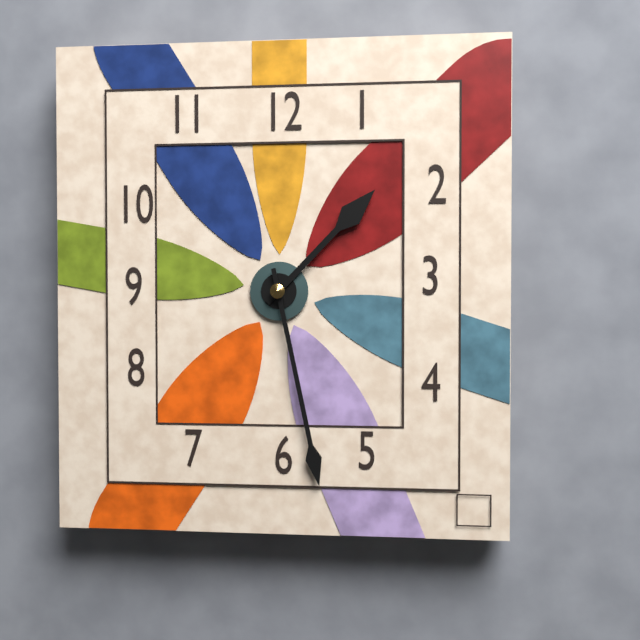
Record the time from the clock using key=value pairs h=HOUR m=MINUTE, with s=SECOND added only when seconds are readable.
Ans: h=1 m=28
